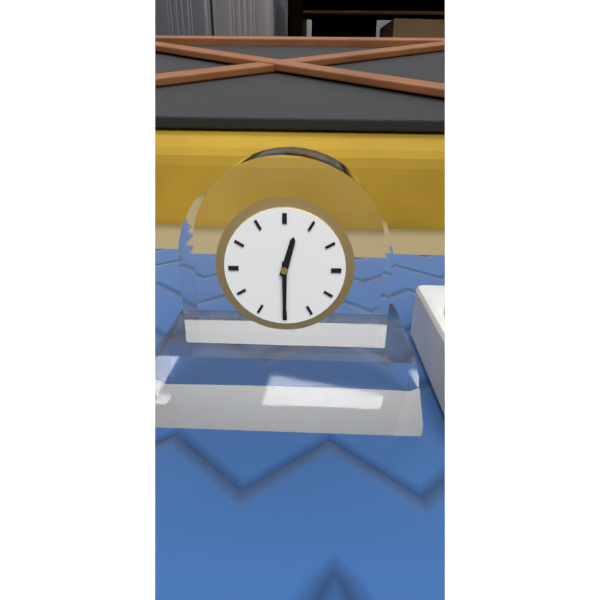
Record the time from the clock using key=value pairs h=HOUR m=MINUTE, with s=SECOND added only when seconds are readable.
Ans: h=12 m=30
